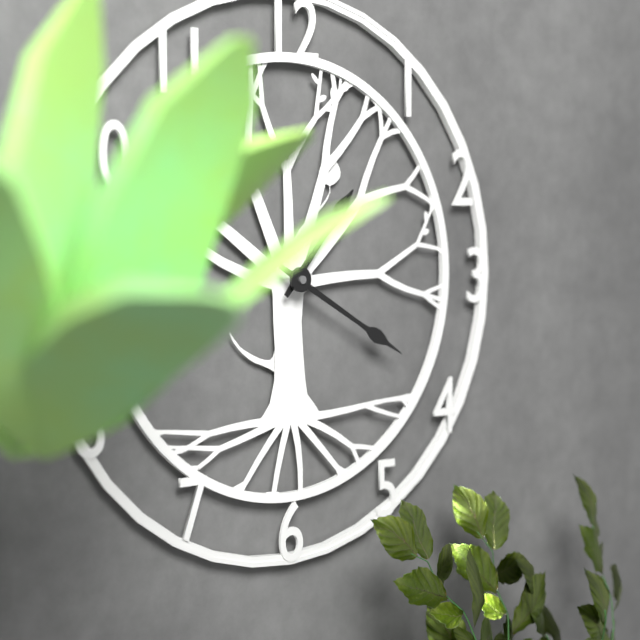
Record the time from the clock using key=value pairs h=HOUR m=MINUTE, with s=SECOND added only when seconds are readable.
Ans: h=1 m=20
